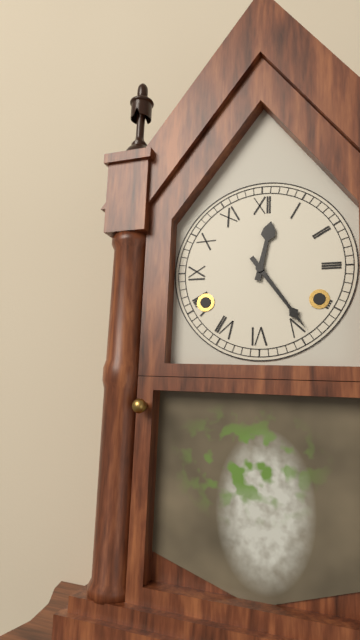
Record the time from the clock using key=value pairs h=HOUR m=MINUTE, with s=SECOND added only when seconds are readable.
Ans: h=12 m=24
